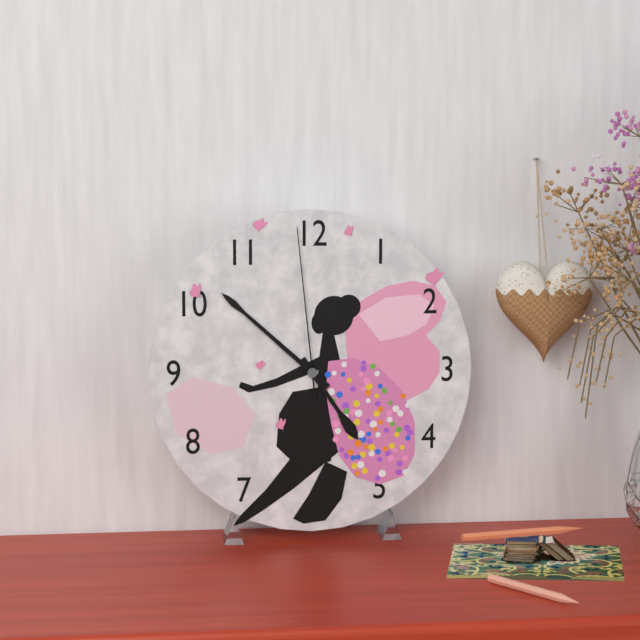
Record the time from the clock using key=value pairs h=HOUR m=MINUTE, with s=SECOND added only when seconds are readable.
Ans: h=4 m=52 s=59
